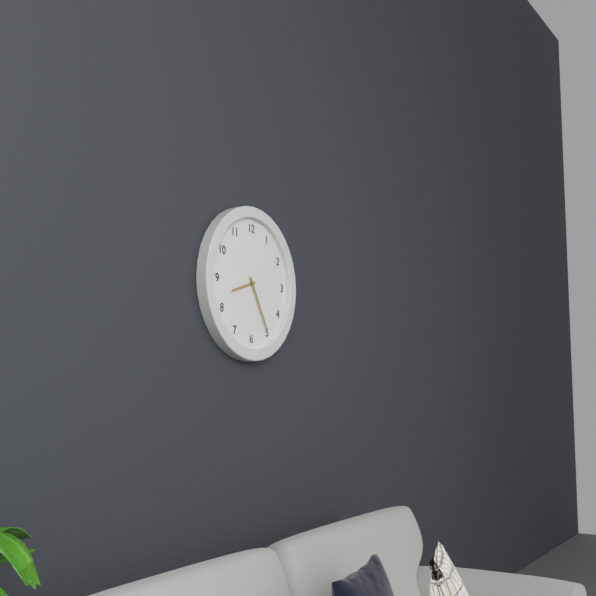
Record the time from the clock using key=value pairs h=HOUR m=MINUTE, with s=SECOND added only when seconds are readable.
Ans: h=8 m=25
